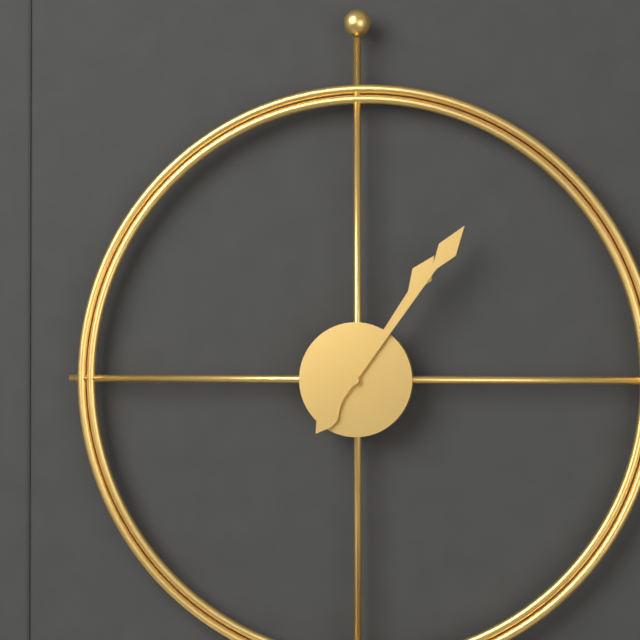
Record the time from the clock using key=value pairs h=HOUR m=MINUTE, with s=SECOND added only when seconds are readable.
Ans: h=1 m=6
